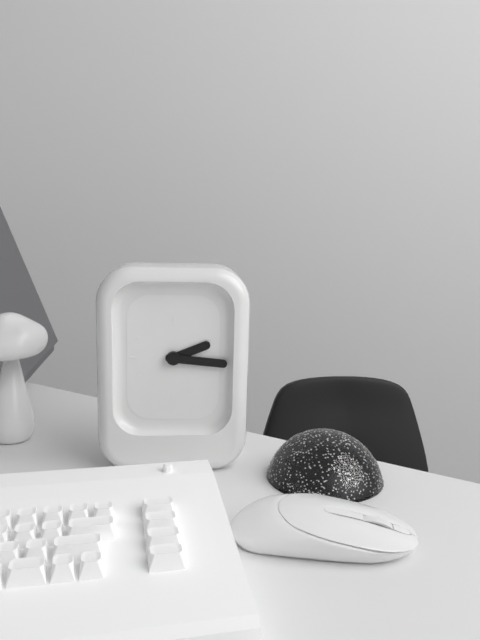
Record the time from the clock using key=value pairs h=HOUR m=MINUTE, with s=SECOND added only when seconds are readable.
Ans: h=2 m=16
